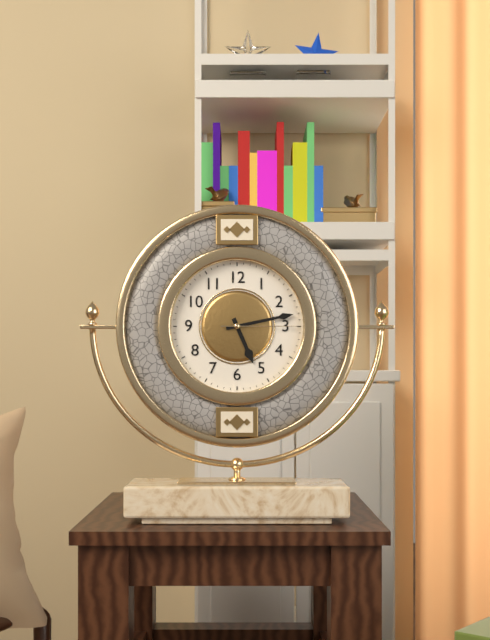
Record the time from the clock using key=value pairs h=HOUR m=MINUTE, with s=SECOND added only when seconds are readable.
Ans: h=5 m=13 s=15
